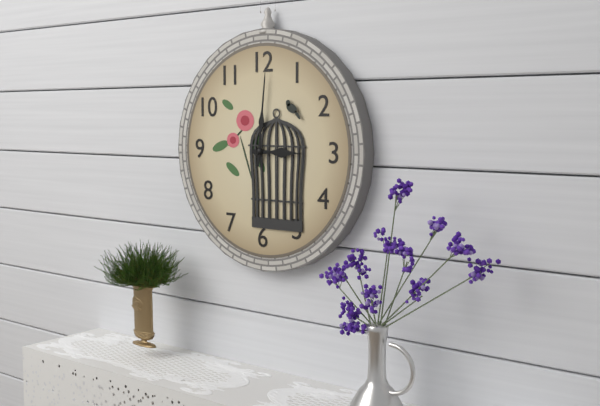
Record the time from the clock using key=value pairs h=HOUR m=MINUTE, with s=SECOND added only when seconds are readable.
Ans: h=3 m=1
